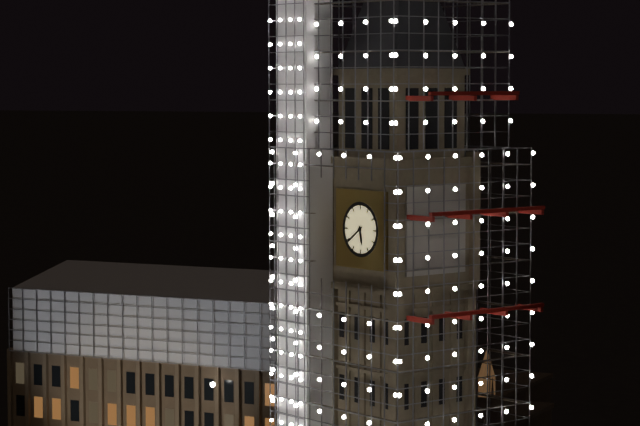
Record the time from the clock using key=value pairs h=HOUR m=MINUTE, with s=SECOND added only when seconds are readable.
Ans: h=5 m=39
